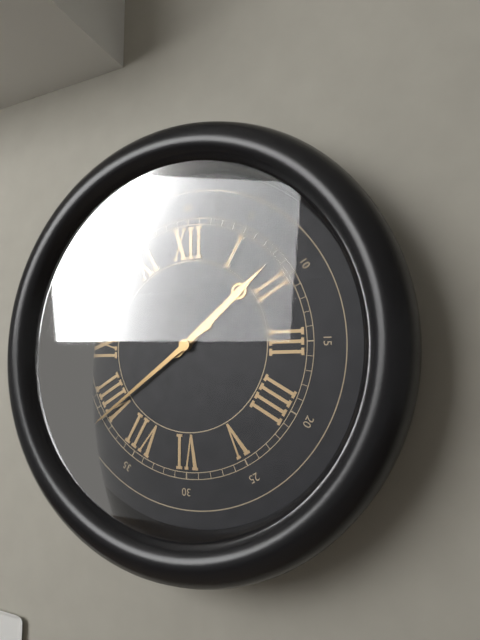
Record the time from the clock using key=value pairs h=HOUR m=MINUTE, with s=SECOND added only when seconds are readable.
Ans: h=1 m=39
